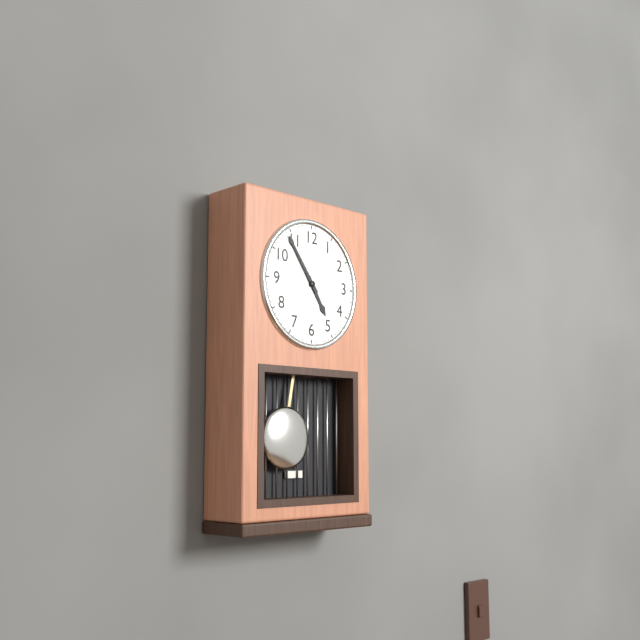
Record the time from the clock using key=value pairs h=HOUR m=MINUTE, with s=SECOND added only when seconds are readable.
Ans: h=4 m=54
